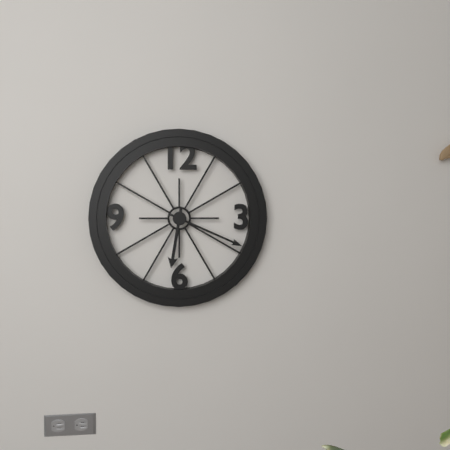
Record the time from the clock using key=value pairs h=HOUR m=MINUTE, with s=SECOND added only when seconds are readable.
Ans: h=6 m=19
